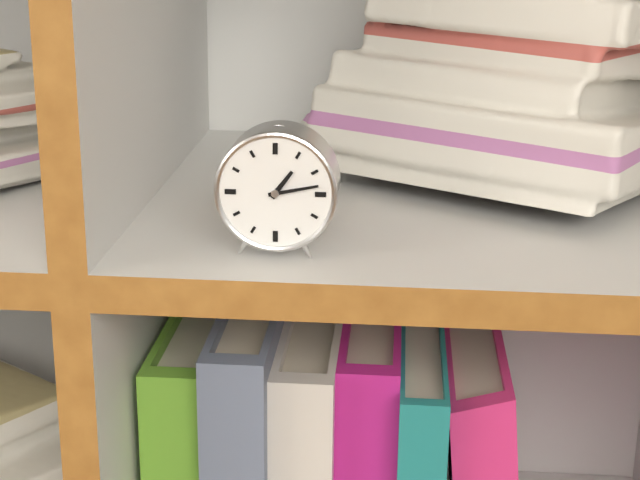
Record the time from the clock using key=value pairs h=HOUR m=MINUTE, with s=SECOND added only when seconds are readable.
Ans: h=1 m=13
